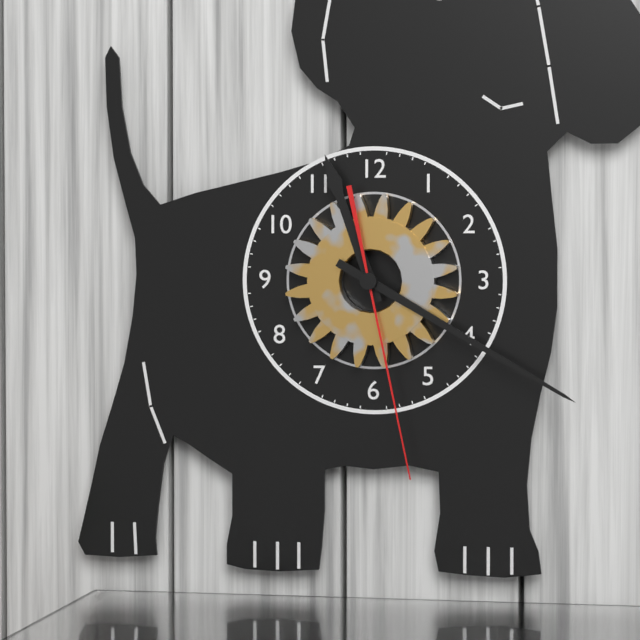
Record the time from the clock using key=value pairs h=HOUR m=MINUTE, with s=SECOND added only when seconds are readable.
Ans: h=11 m=20 s=28
